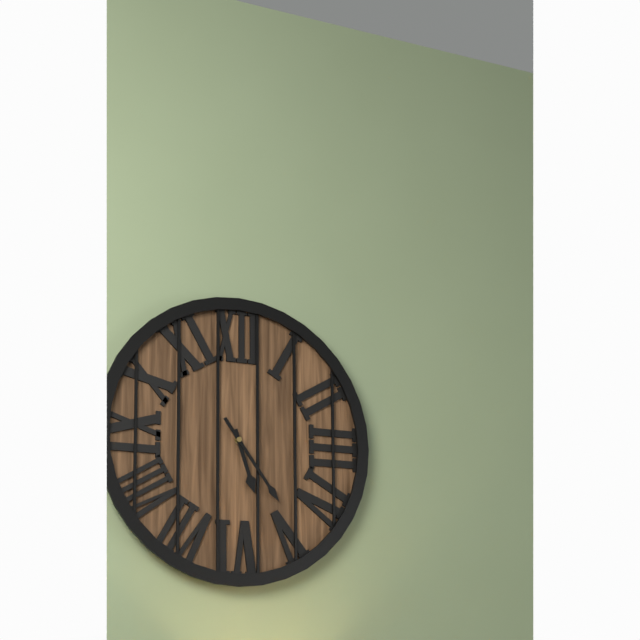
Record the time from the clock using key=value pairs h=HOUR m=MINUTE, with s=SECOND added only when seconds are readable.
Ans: h=5 m=24
